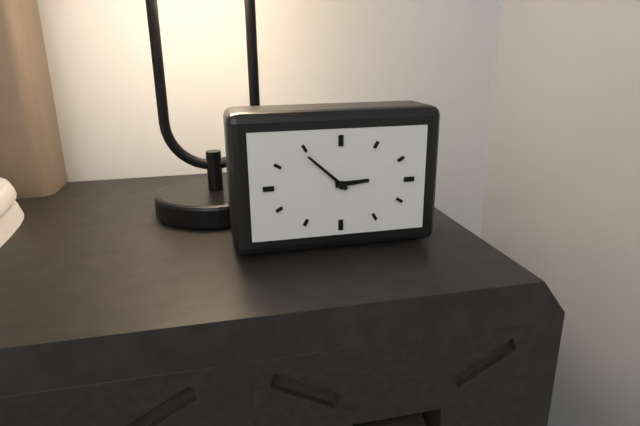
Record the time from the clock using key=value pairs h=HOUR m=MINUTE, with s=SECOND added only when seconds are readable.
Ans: h=2 m=52
